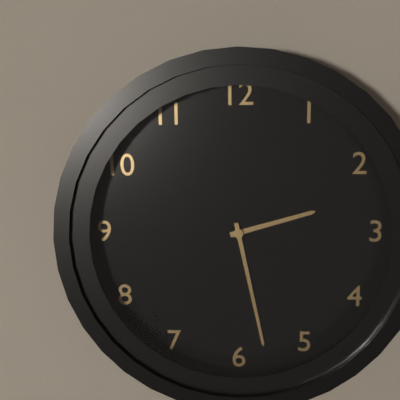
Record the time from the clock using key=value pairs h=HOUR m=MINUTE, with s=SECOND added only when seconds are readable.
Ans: h=2 m=28
